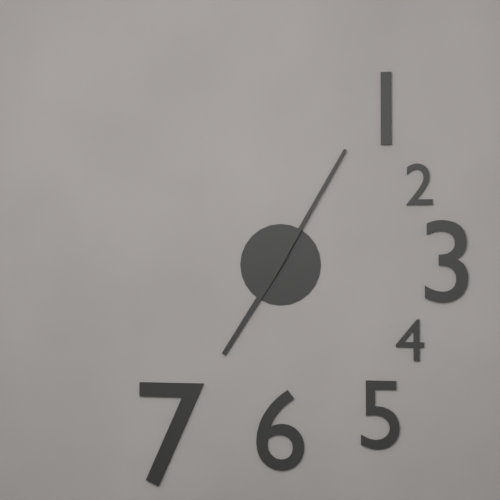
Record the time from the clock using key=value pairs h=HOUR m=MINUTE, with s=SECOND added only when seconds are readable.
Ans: h=7 m=5
